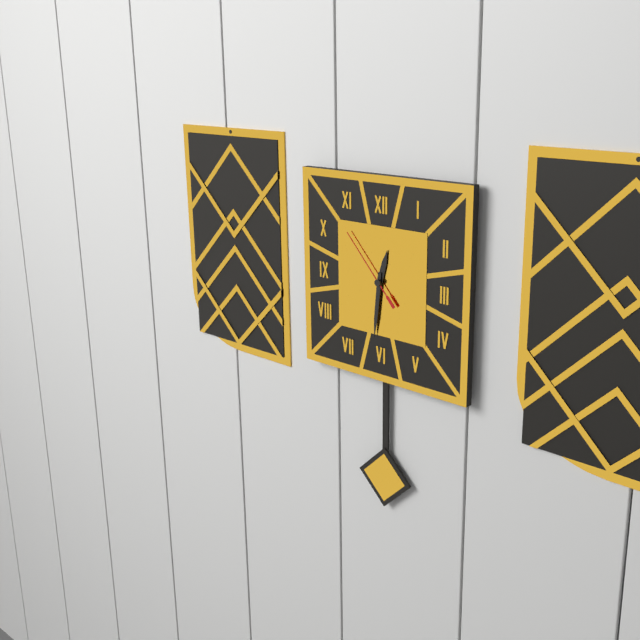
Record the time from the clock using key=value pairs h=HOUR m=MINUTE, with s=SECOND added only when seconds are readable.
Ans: h=12 m=31 s=53
